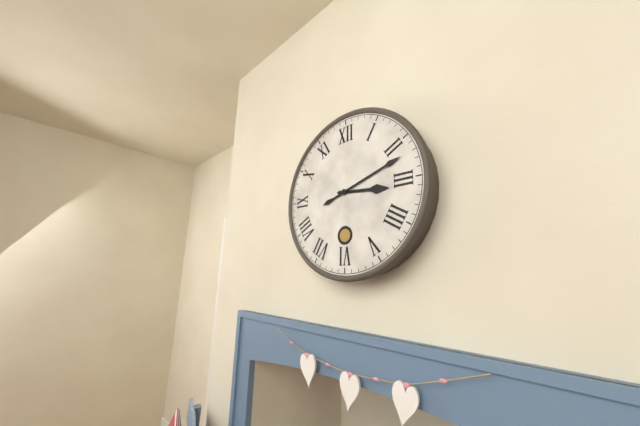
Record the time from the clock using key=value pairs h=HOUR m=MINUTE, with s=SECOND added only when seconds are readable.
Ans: h=3 m=12
